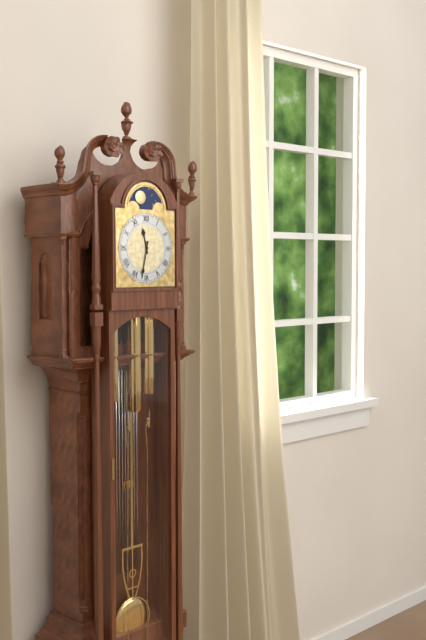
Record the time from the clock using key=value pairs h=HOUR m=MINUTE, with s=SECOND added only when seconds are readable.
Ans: h=11 m=32
